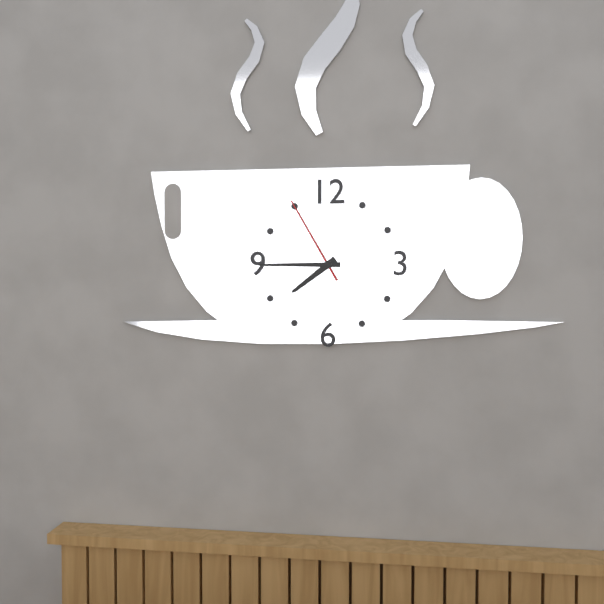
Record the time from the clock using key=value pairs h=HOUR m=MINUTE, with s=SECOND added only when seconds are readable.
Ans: h=7 m=45 s=55
